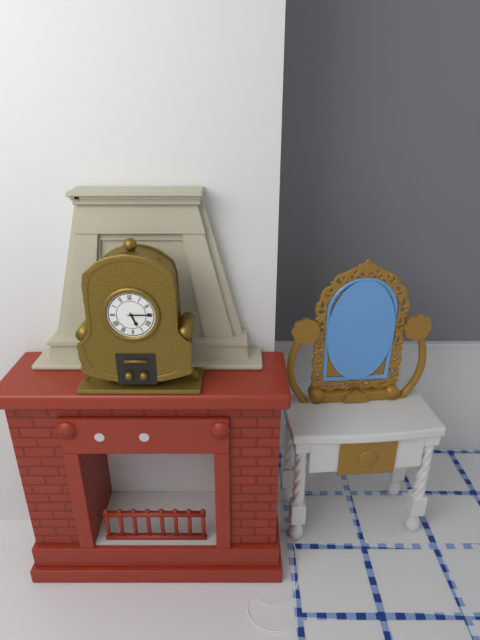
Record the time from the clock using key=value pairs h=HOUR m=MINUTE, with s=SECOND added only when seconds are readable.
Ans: h=5 m=15
